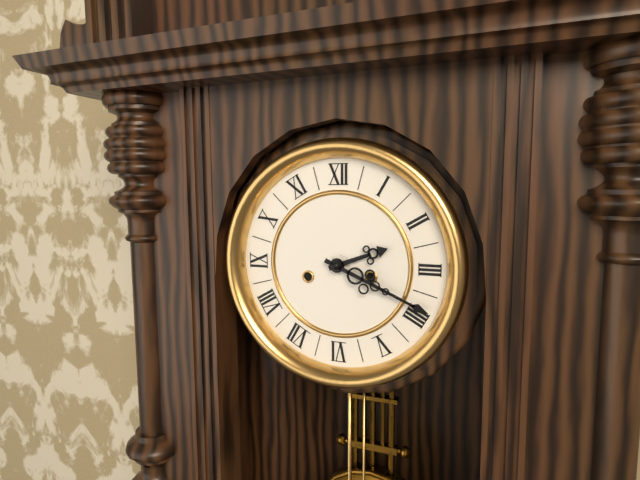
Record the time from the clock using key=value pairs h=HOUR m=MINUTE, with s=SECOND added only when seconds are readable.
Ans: h=2 m=19
